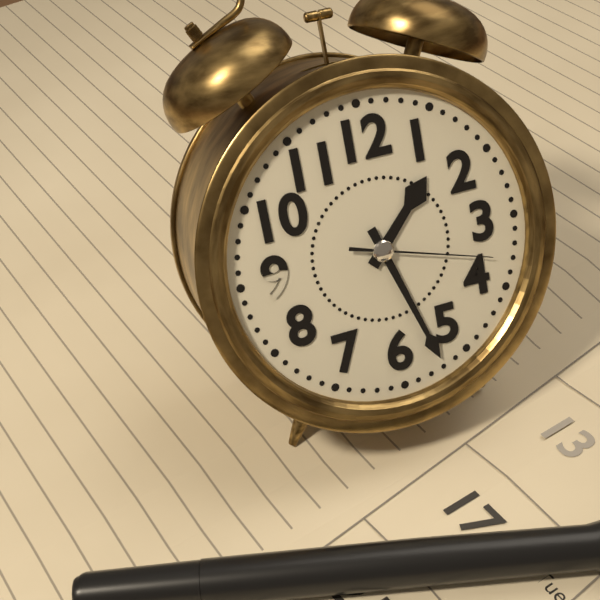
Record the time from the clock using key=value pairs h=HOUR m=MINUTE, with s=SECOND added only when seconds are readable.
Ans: h=1 m=27 s=18
